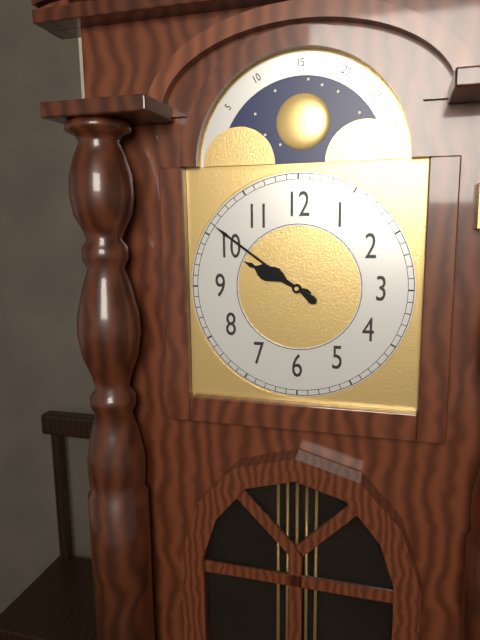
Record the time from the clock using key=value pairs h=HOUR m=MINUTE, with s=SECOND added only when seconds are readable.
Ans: h=9 m=51
